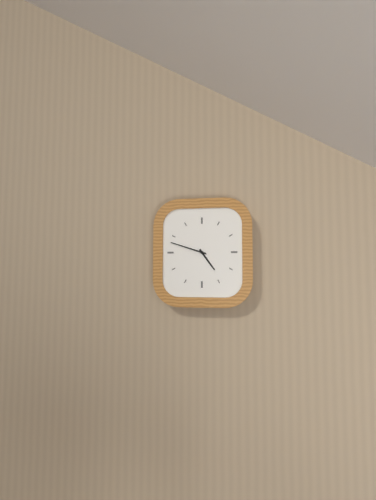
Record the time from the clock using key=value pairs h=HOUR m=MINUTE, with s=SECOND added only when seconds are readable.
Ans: h=4 m=48
